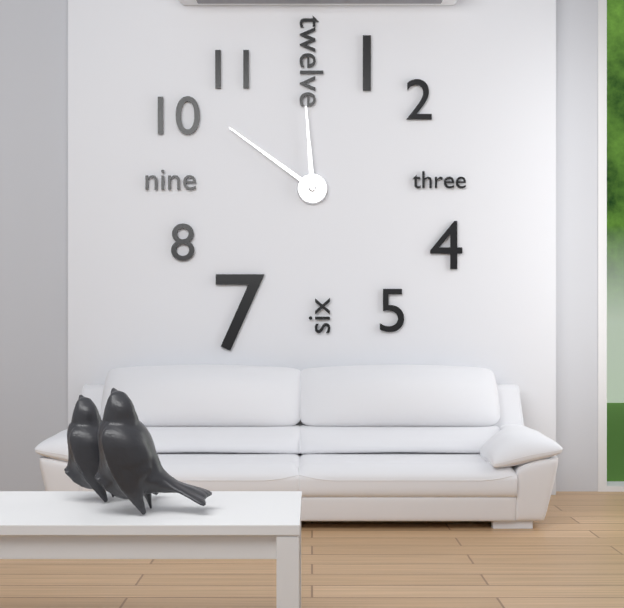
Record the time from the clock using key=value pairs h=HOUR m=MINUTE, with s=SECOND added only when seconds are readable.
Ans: h=11 m=51
